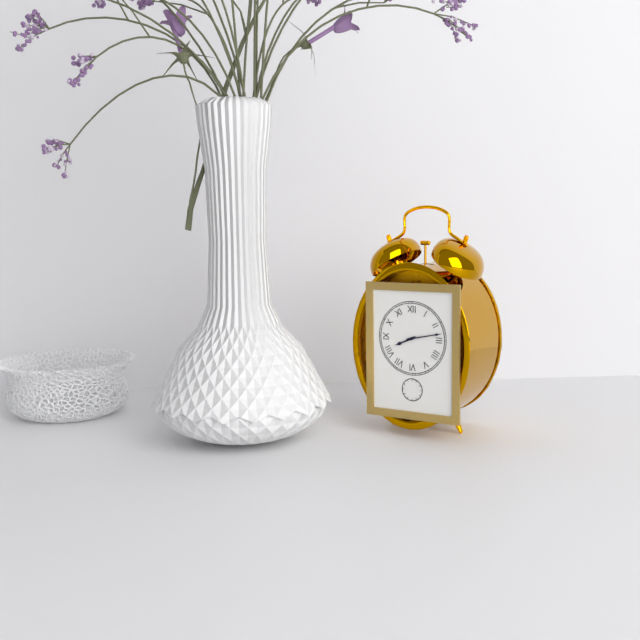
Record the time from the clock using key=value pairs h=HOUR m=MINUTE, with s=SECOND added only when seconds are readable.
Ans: h=8 m=13
